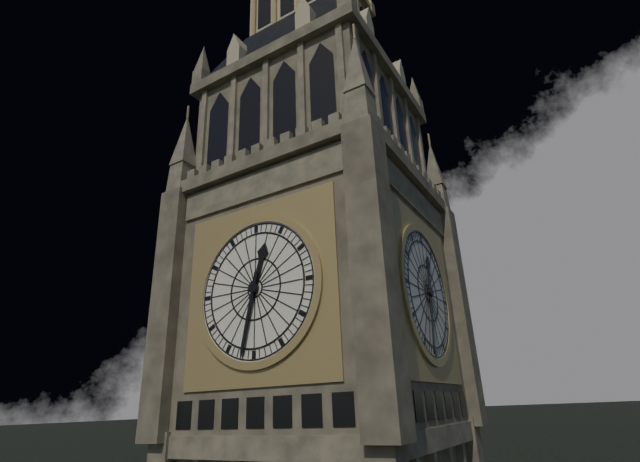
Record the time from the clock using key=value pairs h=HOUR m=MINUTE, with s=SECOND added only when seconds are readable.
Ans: h=12 m=32
